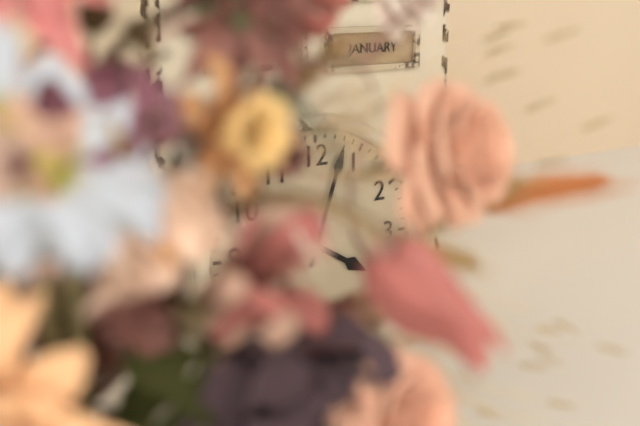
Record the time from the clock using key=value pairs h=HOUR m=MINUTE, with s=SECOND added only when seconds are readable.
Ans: h=4 m=3
